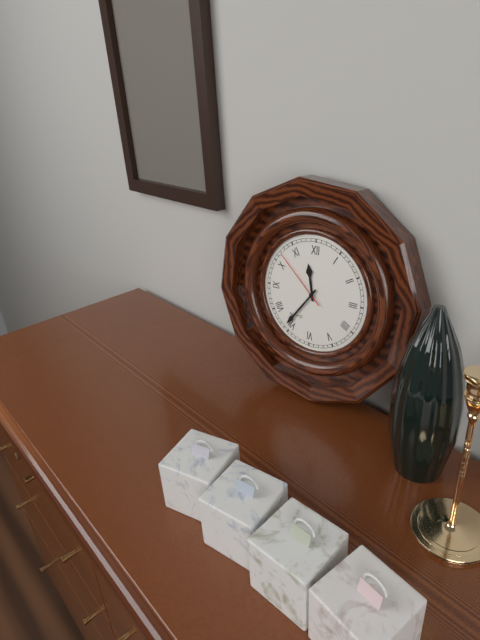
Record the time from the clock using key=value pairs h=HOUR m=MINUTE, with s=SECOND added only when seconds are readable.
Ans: h=11 m=36 s=52
